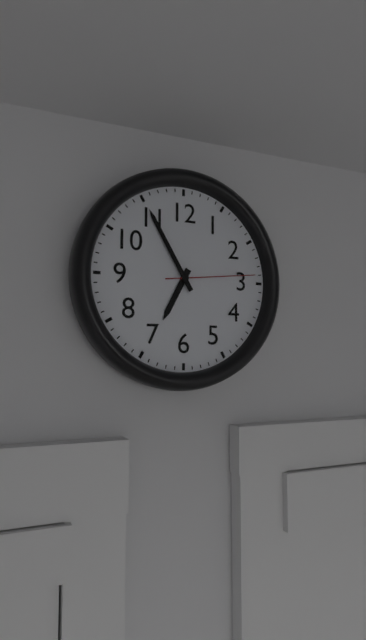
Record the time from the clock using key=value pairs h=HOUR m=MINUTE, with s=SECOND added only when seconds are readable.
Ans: h=6 m=55 s=14
